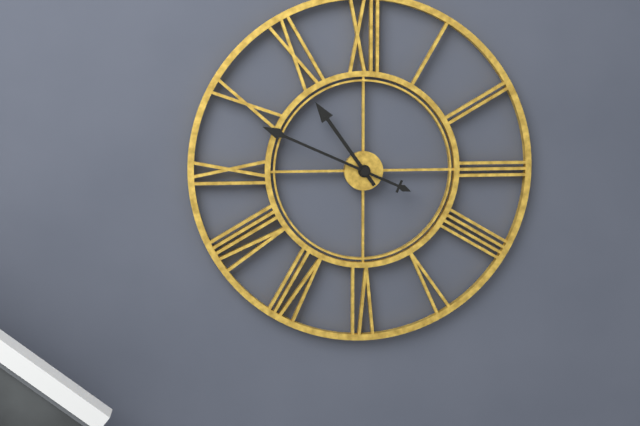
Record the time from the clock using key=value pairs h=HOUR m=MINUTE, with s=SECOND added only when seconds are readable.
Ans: h=10 m=49
